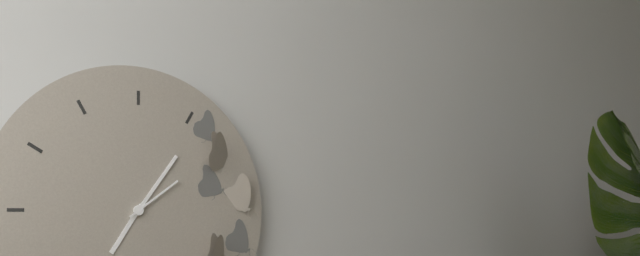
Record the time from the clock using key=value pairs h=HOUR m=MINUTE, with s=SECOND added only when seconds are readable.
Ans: h=7 m=6 s=9
